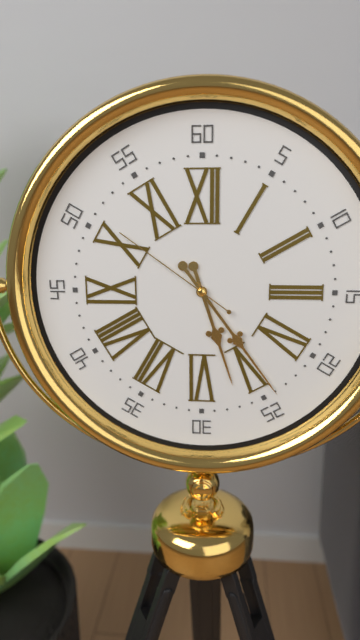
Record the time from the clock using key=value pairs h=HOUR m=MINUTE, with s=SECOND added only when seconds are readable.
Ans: h=5 m=24 s=51
